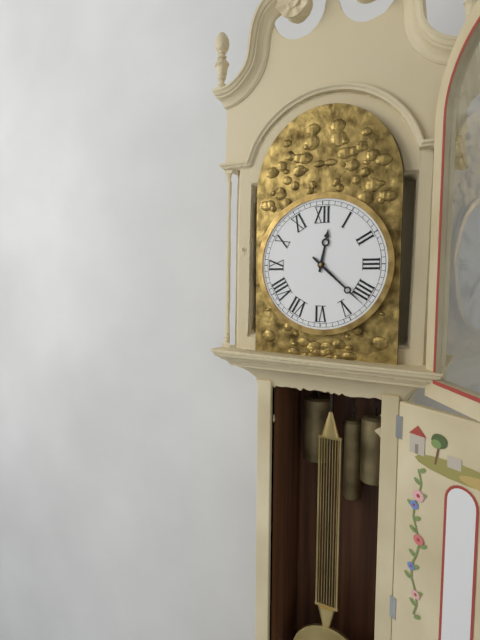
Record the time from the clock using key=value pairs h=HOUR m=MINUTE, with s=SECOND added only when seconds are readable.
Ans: h=12 m=22
